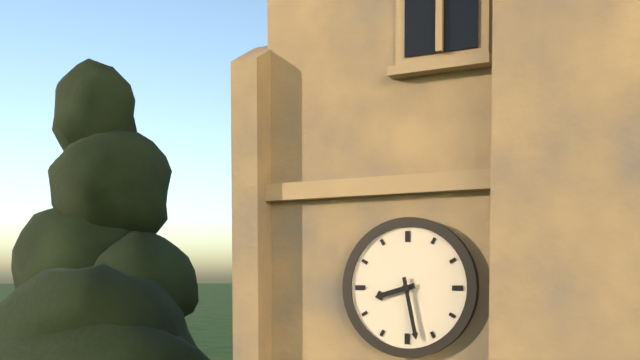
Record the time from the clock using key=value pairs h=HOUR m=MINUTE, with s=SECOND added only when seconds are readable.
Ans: h=8 m=28
